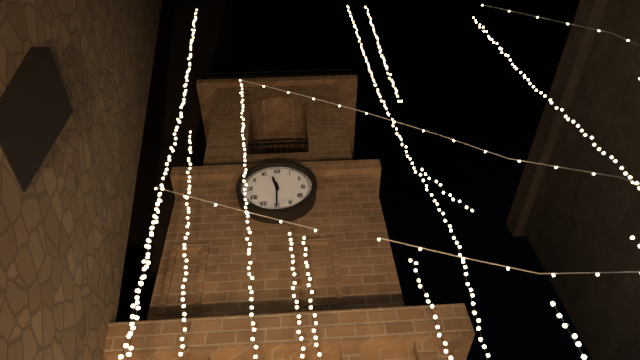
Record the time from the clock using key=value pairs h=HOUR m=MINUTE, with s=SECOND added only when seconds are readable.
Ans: h=11 m=30
